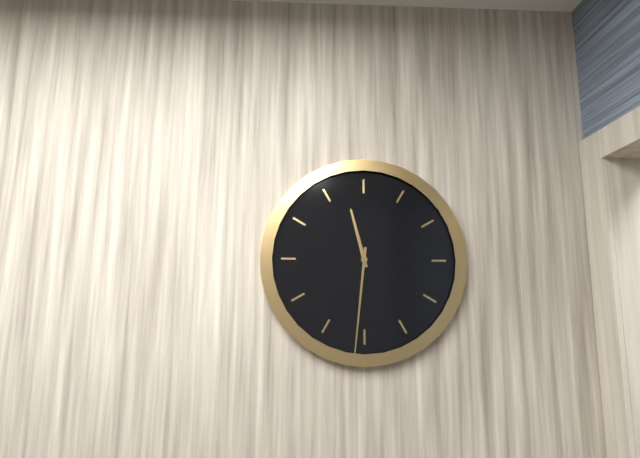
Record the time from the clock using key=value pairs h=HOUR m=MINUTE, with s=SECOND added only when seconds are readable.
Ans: h=11 m=31
